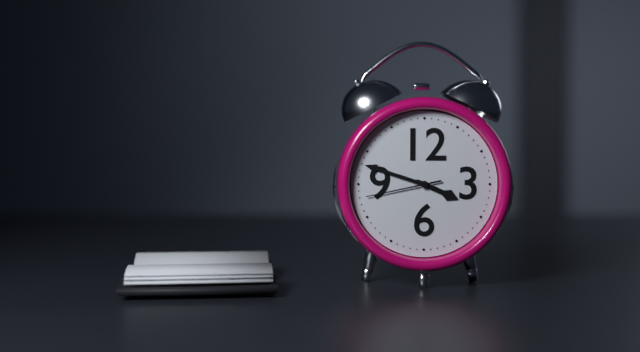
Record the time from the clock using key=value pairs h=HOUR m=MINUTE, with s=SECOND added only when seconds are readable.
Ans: h=3 m=48 s=43
